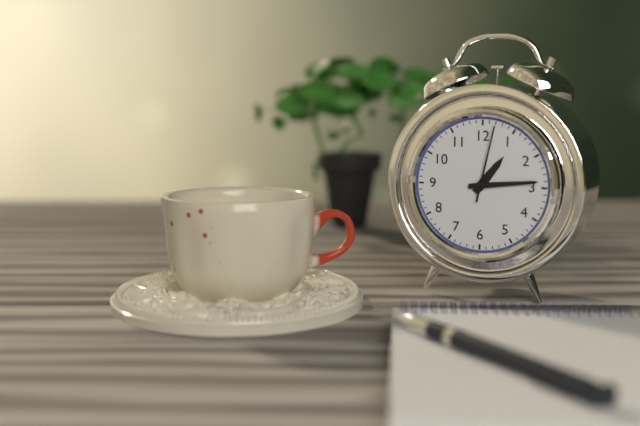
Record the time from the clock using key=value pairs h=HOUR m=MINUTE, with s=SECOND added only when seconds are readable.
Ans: h=1 m=14 s=2
